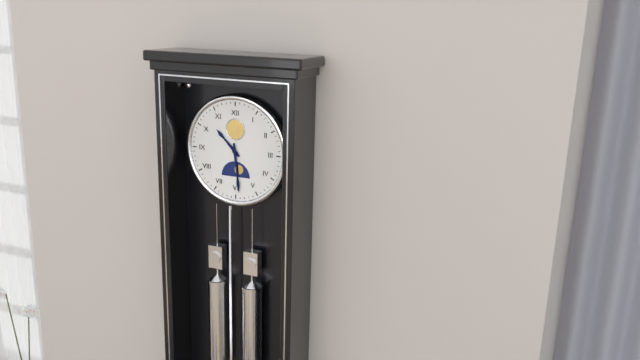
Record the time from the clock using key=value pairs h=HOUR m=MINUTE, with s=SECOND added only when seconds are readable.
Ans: h=10 m=29
